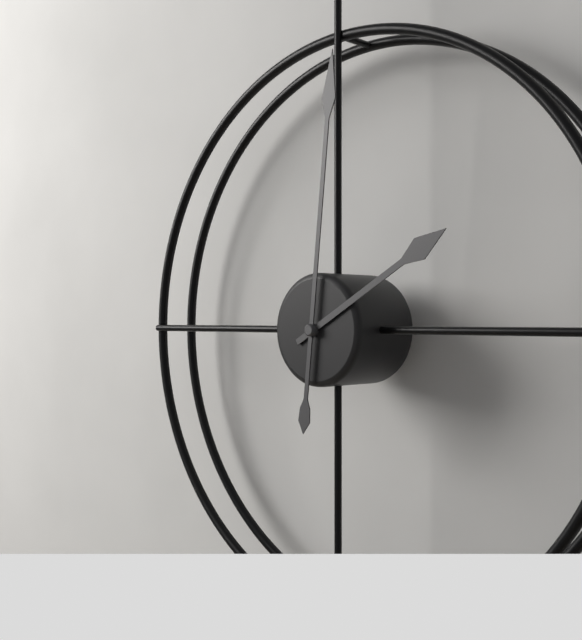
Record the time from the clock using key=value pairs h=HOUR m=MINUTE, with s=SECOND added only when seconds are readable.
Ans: h=2 m=1
